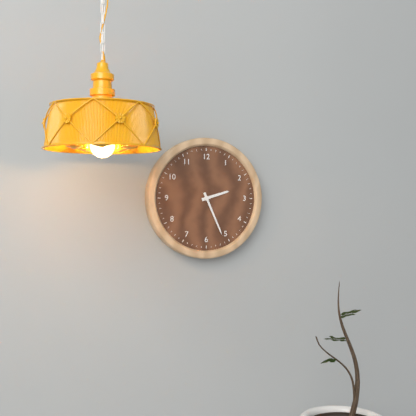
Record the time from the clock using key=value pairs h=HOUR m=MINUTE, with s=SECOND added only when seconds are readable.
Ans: h=2 m=26
